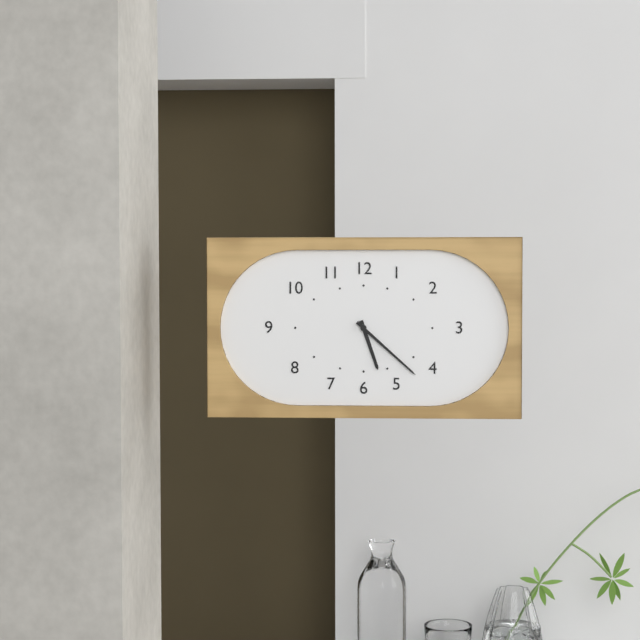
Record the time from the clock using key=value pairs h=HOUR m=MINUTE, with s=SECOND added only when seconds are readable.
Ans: h=5 m=22
